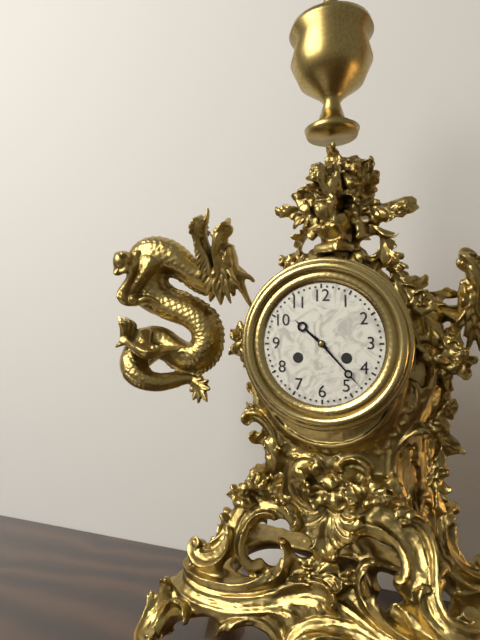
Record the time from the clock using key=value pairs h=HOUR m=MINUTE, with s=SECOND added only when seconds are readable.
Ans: h=10 m=23
